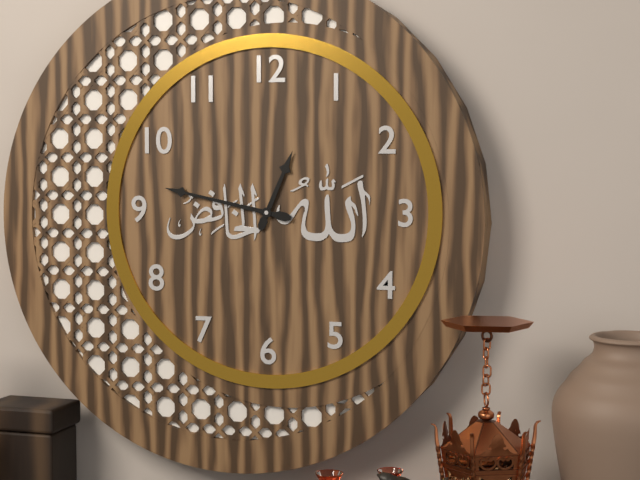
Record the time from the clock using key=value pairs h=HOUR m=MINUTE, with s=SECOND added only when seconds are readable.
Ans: h=12 m=47
